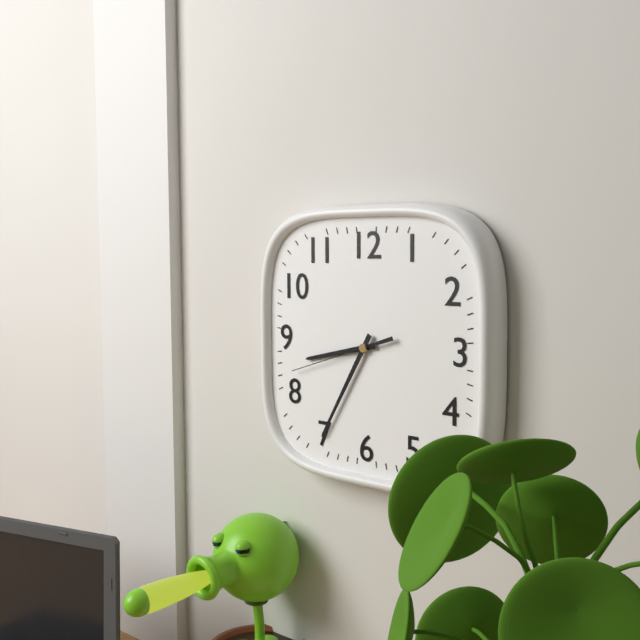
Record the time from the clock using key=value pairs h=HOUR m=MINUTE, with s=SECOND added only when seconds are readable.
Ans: h=8 m=35 s=42
